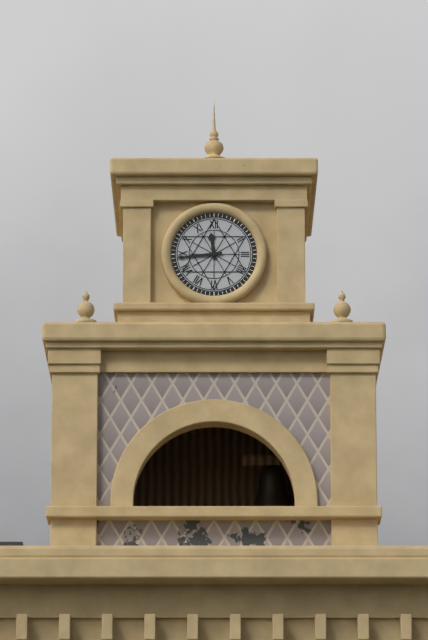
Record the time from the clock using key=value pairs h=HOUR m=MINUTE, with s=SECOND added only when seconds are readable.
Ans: h=11 m=44
